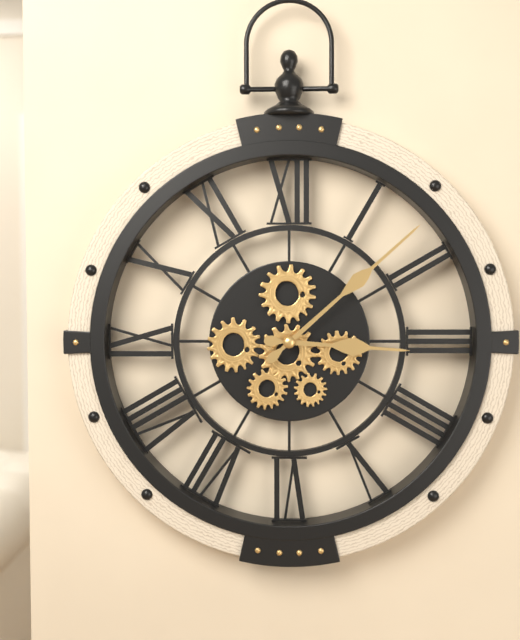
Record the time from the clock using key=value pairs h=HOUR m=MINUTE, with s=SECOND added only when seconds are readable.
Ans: h=3 m=8
